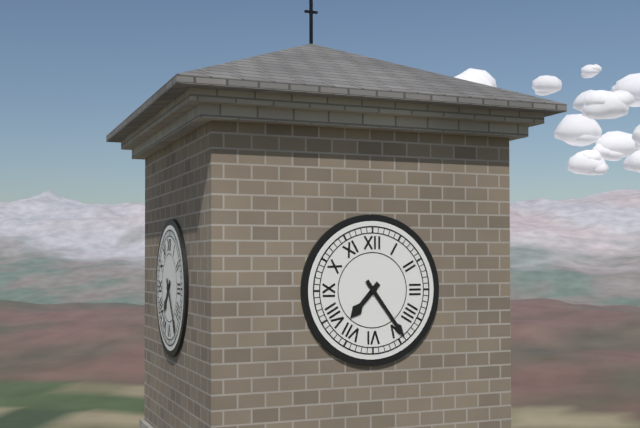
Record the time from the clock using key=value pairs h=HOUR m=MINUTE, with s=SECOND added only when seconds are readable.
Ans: h=7 m=24
